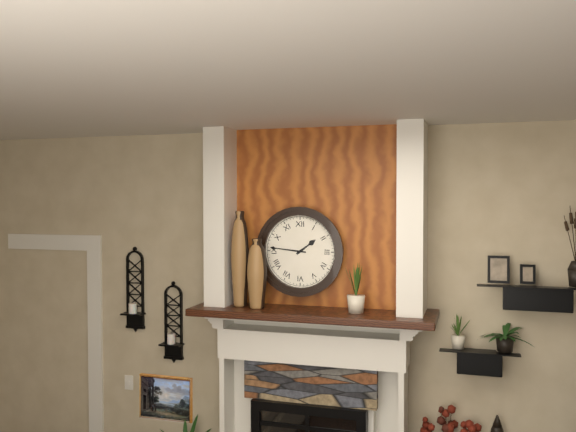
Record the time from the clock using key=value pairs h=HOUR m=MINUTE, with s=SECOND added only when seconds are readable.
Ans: h=1 m=46
